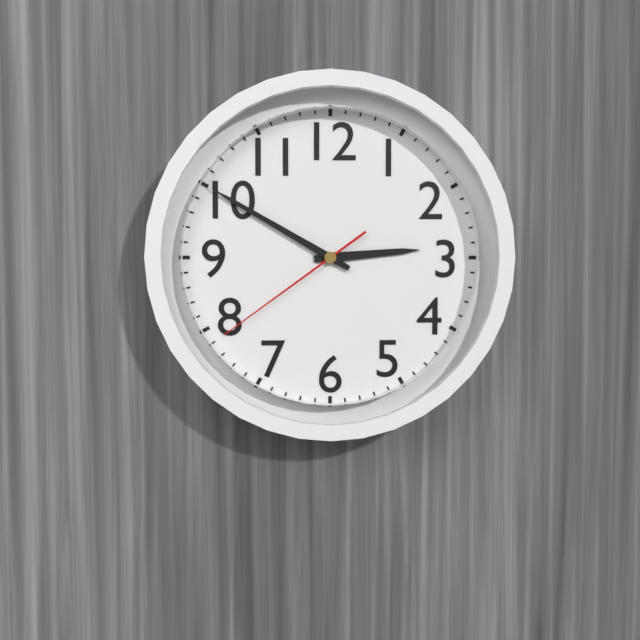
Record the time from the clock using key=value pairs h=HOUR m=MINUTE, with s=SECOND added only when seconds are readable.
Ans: h=2 m=50 s=39
